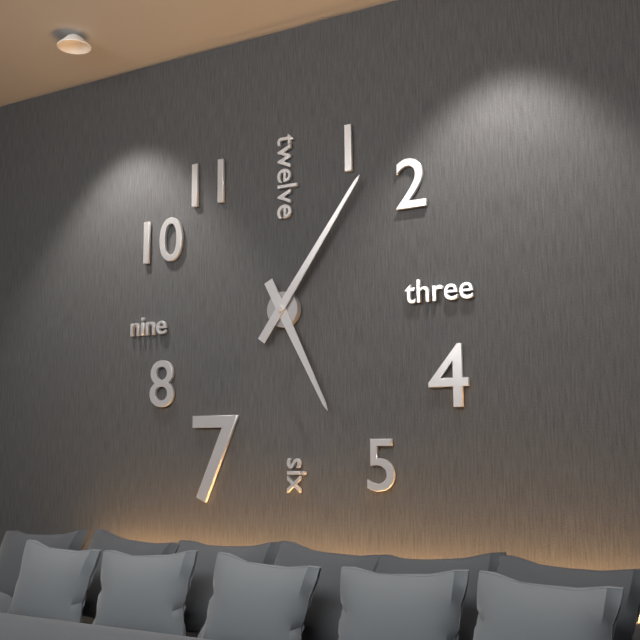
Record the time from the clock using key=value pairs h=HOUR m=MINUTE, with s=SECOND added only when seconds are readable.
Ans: h=5 m=6
